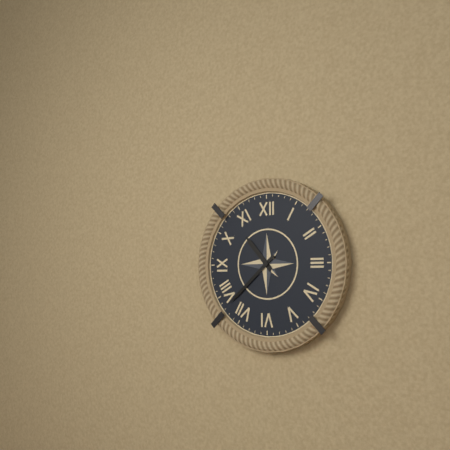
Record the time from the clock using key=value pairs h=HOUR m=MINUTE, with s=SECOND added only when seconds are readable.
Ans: h=10 m=38
